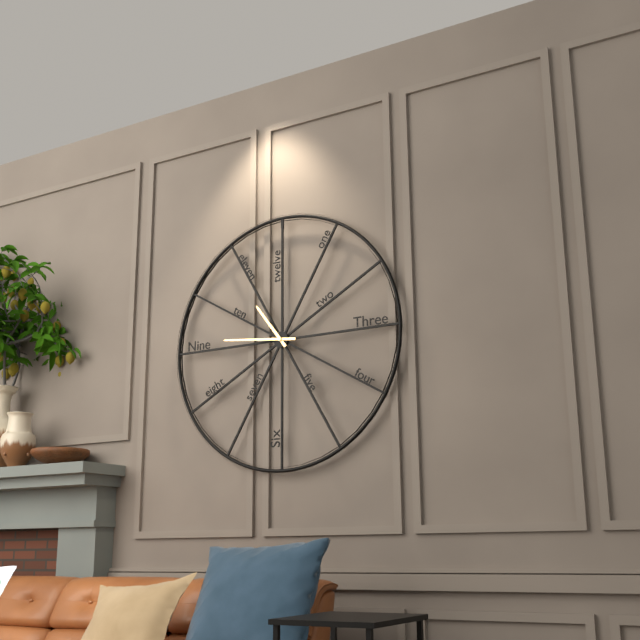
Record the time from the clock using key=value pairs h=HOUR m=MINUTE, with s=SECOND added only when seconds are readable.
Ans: h=10 m=46
